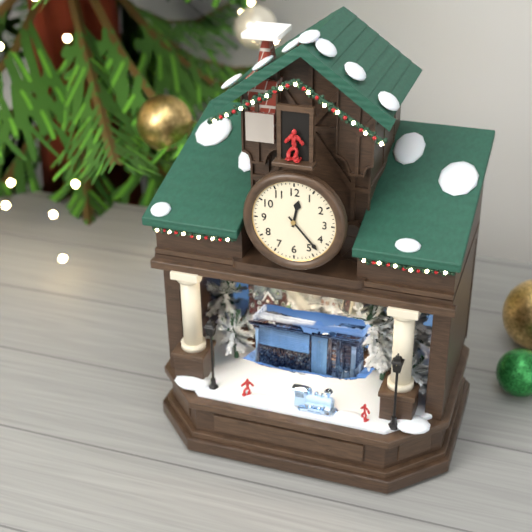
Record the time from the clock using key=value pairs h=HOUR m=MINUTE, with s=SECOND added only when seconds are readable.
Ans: h=12 m=23
